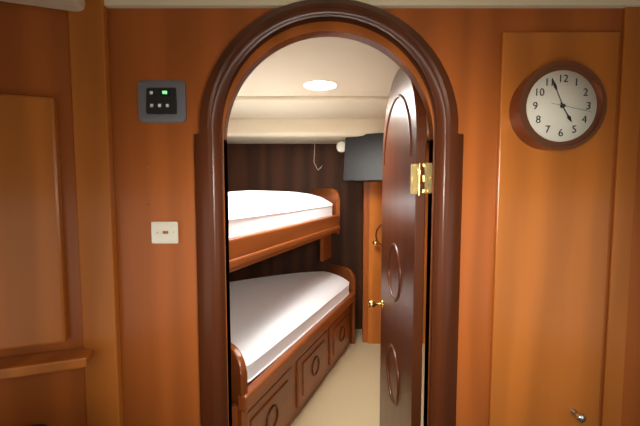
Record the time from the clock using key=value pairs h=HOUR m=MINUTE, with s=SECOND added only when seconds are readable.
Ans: h=4 m=56
